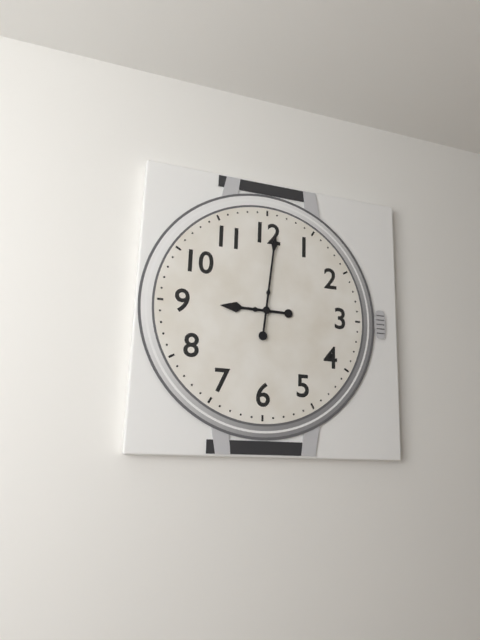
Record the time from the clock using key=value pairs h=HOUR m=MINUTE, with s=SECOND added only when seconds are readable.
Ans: h=9 m=1
